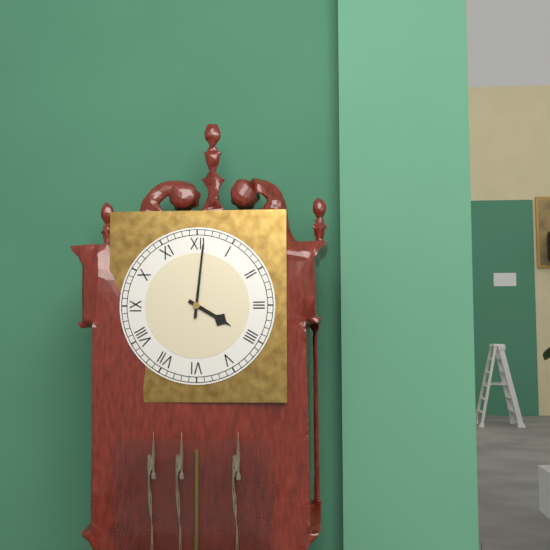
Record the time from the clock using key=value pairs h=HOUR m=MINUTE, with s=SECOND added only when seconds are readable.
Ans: h=4 m=1
